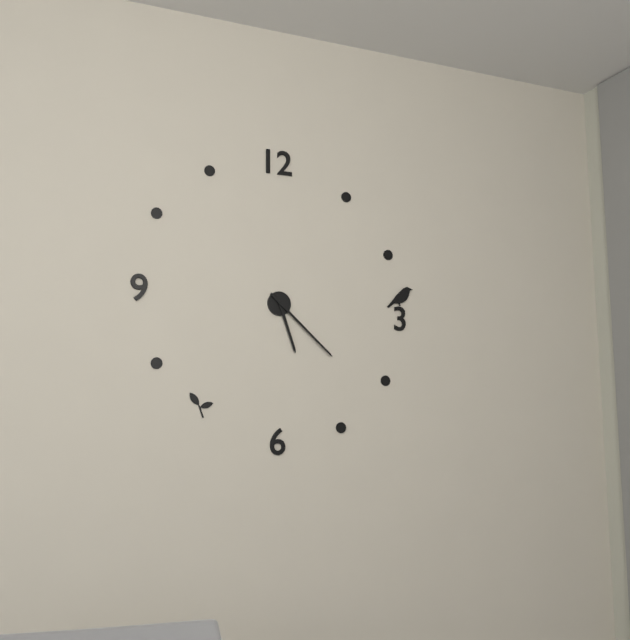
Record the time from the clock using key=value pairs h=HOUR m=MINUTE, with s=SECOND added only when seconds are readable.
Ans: h=5 m=22
